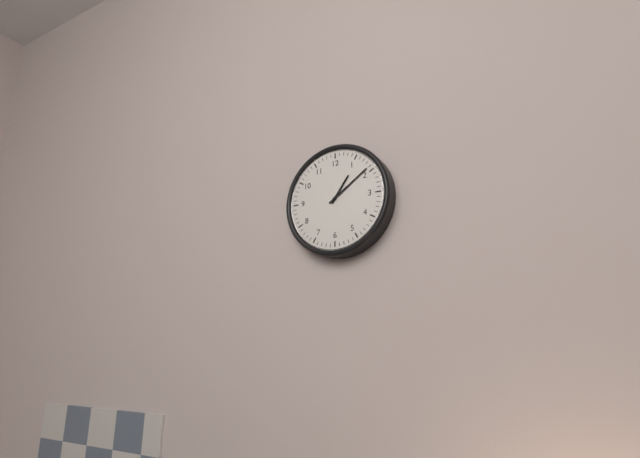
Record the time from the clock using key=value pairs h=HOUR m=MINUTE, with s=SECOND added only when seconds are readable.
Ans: h=1 m=9
